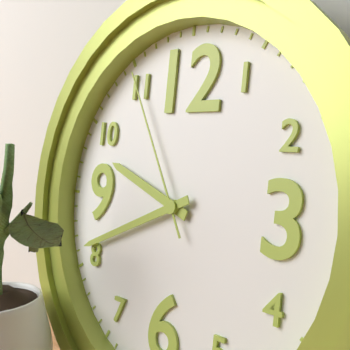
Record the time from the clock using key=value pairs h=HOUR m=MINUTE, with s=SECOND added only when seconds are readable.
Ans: h=9 m=41 s=55
